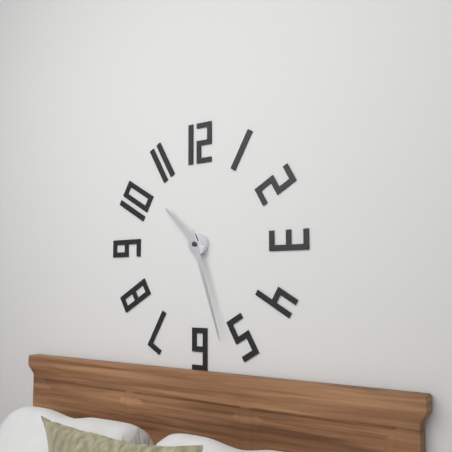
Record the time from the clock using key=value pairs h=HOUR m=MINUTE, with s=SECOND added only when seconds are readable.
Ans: h=10 m=27
